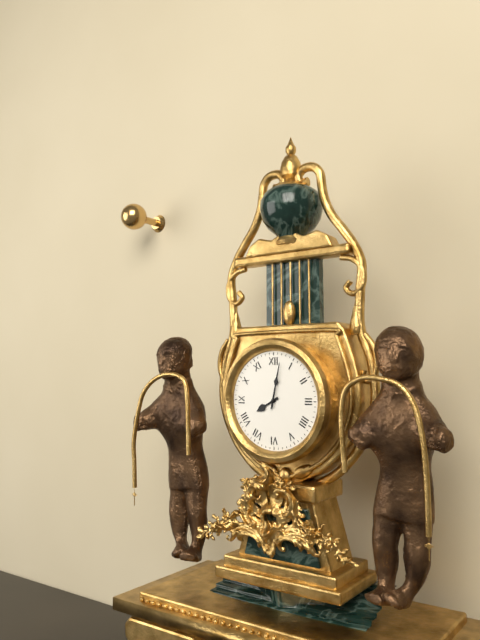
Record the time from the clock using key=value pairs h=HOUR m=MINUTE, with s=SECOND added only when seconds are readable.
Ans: h=8 m=2
